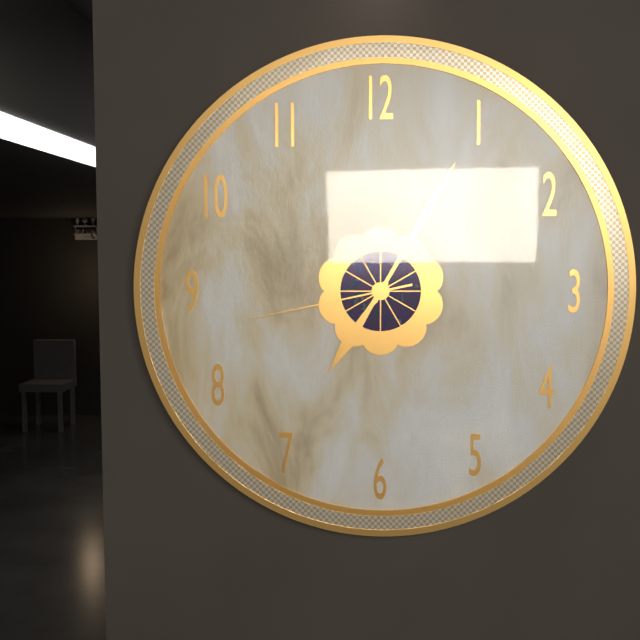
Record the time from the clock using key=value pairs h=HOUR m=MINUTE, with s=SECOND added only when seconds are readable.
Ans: h=7 m=5 s=43
